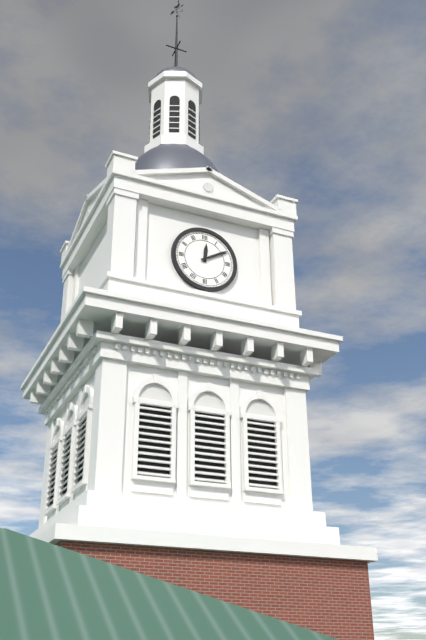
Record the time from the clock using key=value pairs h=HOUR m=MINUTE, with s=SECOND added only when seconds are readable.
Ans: h=12 m=10
